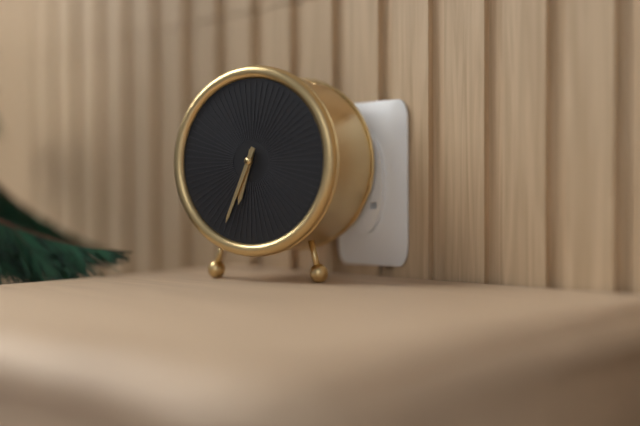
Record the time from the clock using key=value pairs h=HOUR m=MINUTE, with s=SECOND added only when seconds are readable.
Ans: h=6 m=34
